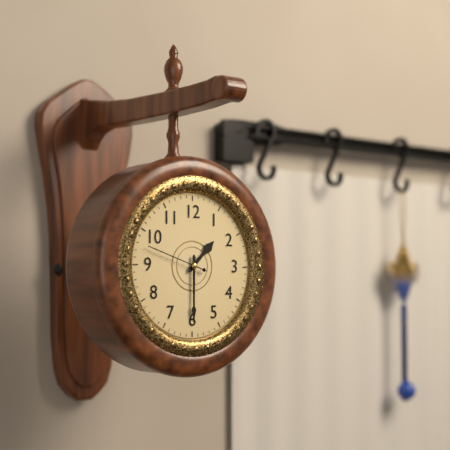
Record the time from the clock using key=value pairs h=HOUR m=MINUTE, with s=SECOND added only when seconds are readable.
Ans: h=1 m=30 s=48
